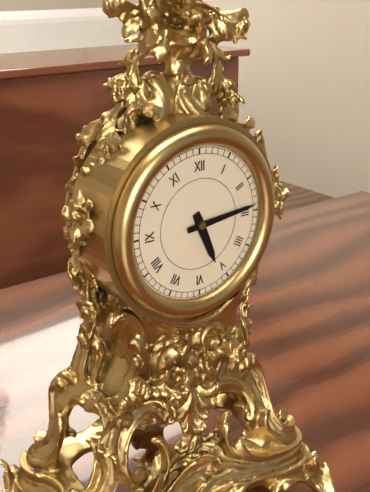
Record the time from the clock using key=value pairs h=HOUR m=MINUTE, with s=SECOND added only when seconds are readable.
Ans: h=5 m=14
